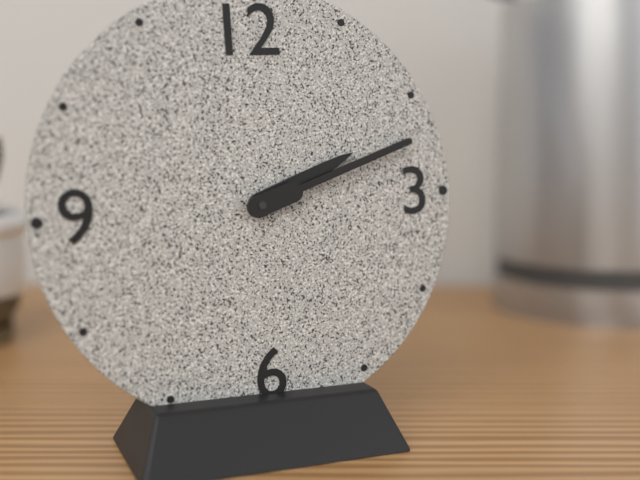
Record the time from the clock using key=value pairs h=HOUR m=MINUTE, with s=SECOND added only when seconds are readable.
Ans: h=2 m=12
